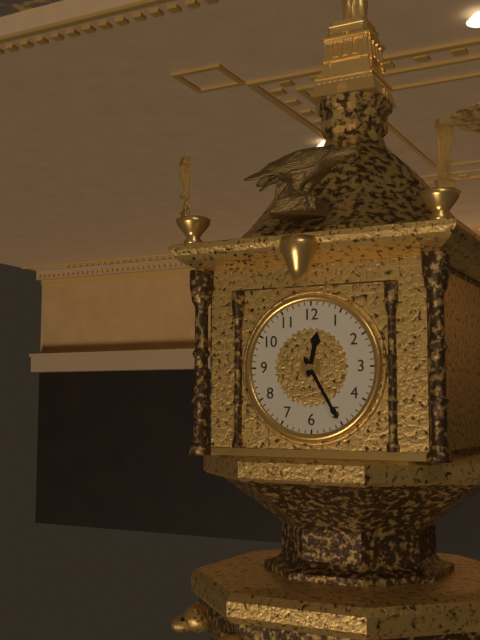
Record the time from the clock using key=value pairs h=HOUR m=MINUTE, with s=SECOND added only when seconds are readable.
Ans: h=12 m=25
